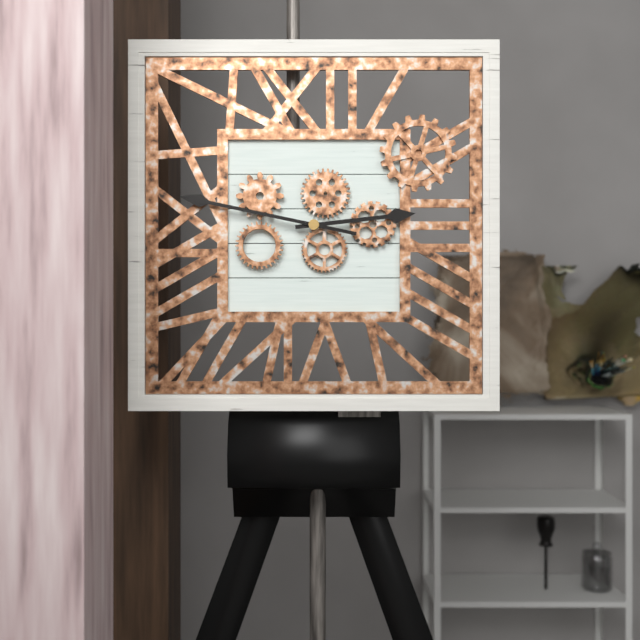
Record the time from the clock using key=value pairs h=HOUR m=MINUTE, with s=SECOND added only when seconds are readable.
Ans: h=2 m=47
